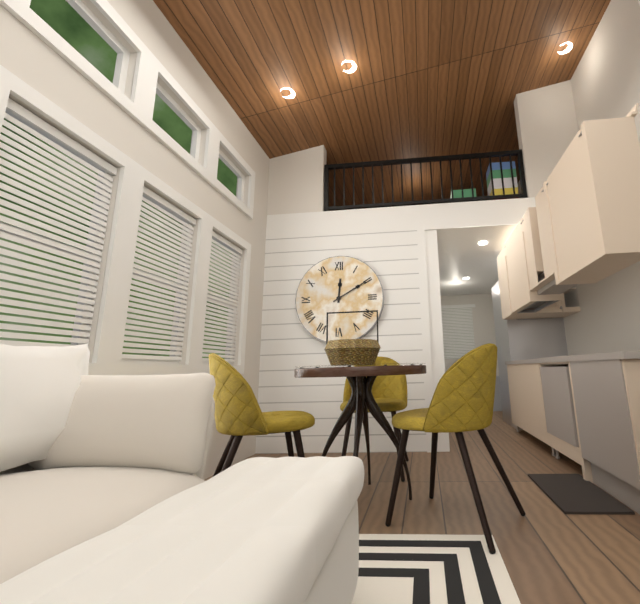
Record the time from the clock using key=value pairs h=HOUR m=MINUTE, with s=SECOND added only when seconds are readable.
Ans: h=12 m=10
